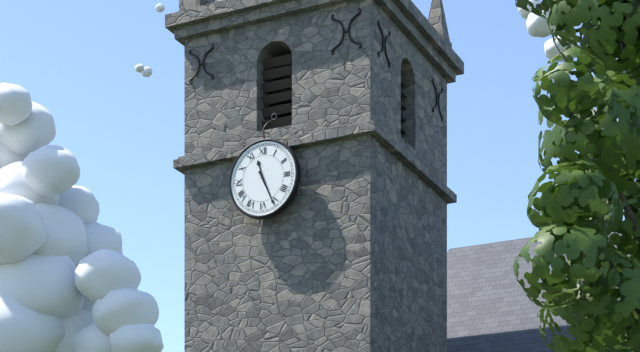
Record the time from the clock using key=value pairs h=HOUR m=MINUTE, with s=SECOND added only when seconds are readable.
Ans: h=11 m=26
